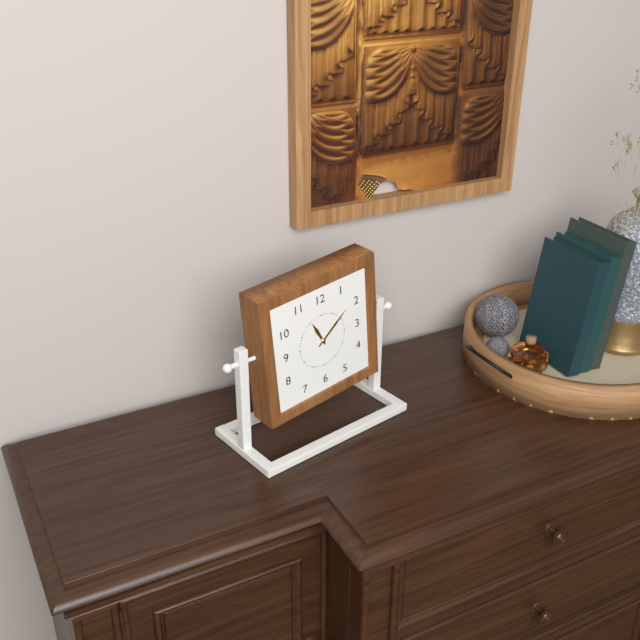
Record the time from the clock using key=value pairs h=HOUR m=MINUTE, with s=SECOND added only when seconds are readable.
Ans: h=11 m=9
